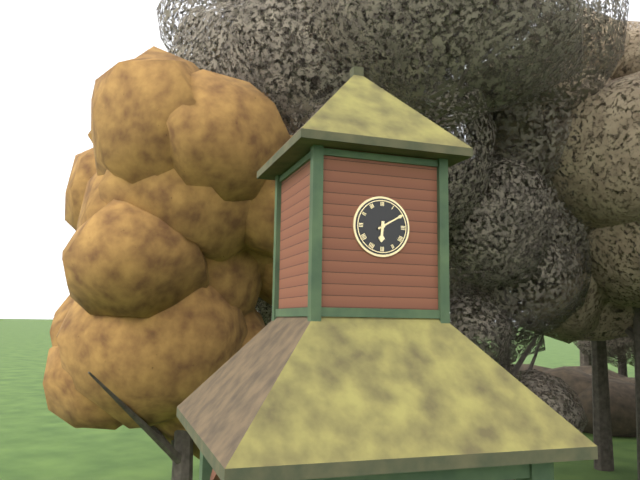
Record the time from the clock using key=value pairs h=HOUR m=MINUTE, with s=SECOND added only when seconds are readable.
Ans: h=6 m=10
